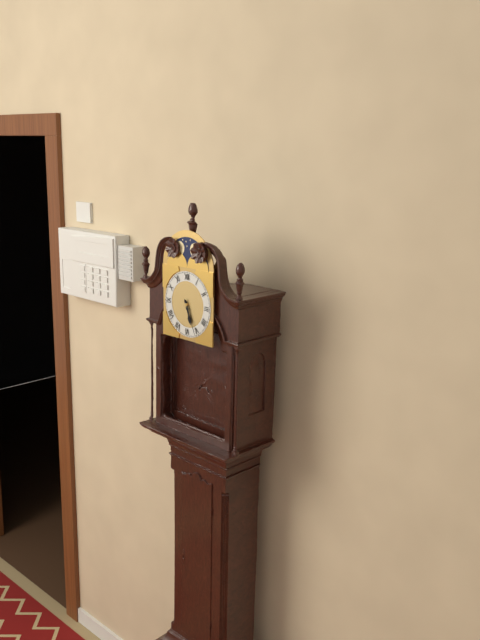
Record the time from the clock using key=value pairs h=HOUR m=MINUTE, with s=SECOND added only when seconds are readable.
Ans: h=5 m=26
